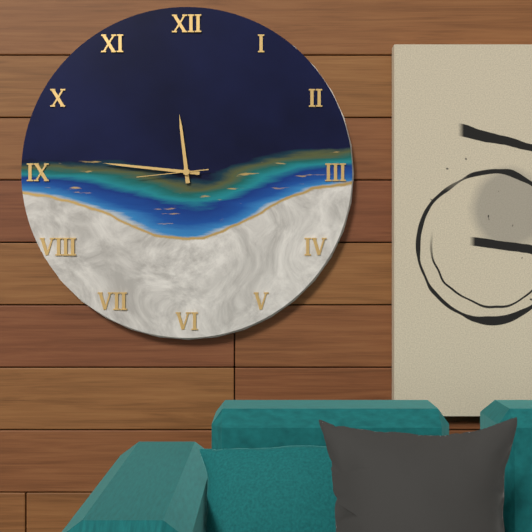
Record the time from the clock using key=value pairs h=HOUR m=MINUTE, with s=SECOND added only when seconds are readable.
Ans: h=11 m=46 s=44
